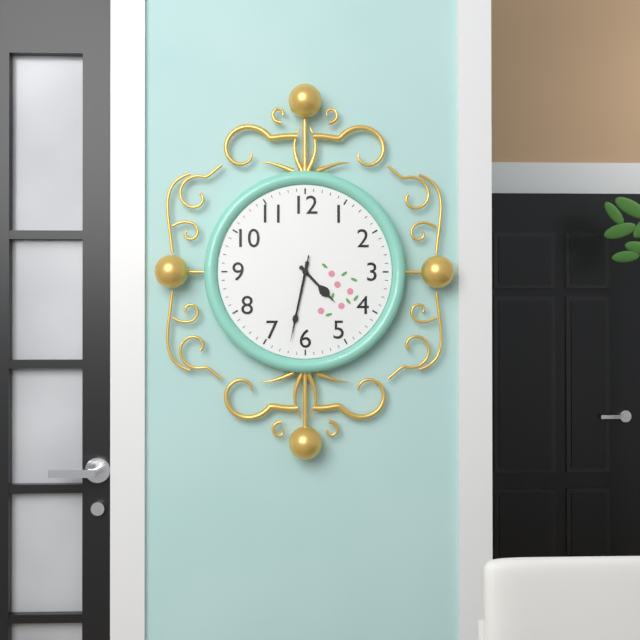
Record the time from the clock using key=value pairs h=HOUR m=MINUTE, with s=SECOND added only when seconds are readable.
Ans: h=4 m=32 s=32
